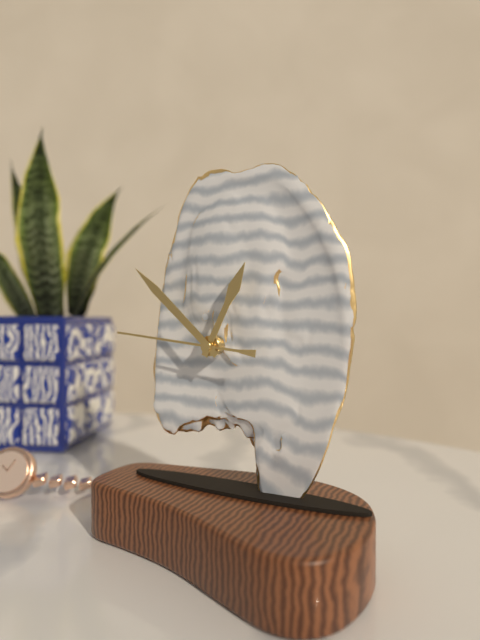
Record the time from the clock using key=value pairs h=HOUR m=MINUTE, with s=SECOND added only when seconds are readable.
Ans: h=12 m=52 s=46
